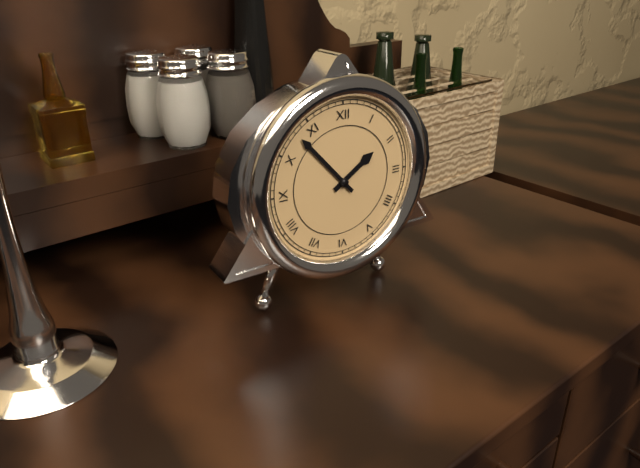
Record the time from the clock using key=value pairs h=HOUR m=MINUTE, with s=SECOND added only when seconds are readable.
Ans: h=1 m=53
